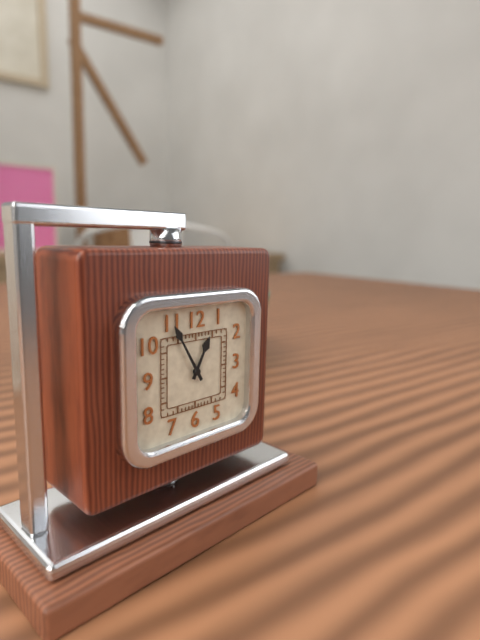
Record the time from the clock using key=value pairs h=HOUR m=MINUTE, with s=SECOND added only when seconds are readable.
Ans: h=12 m=55
